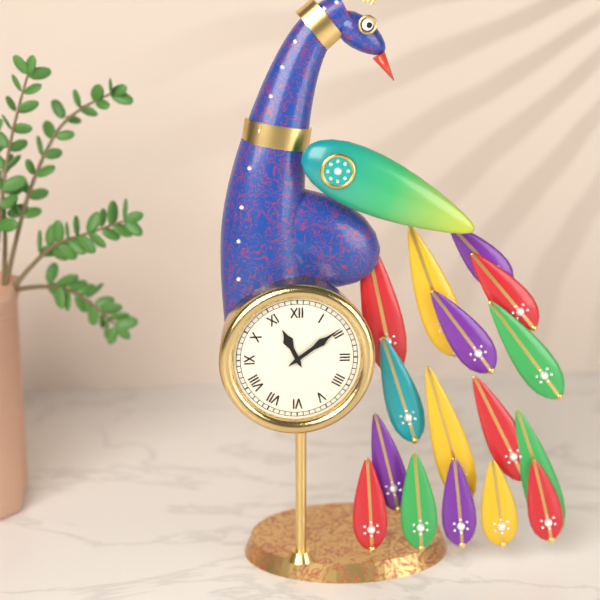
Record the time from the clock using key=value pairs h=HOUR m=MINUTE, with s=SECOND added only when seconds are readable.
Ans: h=11 m=9
